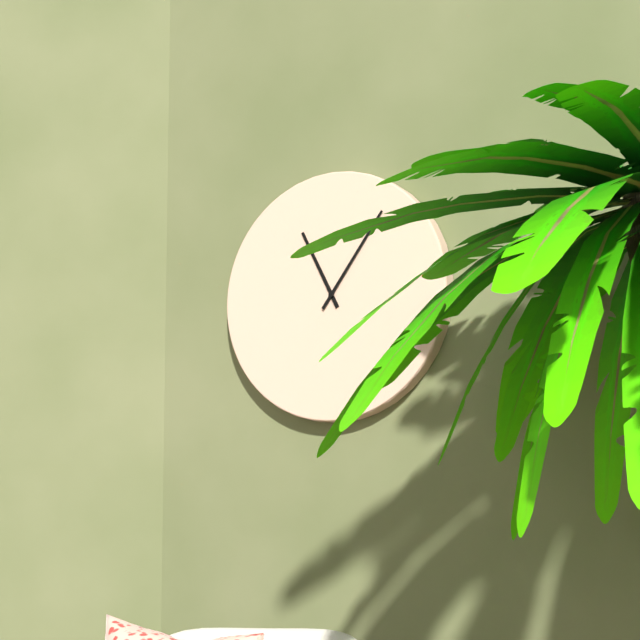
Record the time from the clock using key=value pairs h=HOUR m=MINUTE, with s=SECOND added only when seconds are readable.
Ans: h=11 m=6
